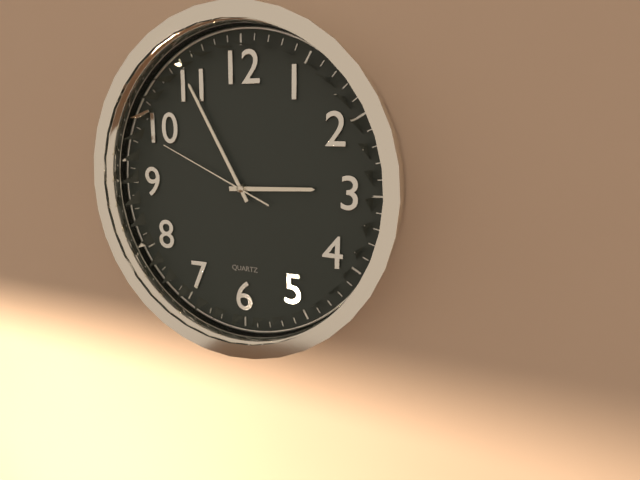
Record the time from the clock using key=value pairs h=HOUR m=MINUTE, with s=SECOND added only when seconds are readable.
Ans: h=2 m=55 s=49
